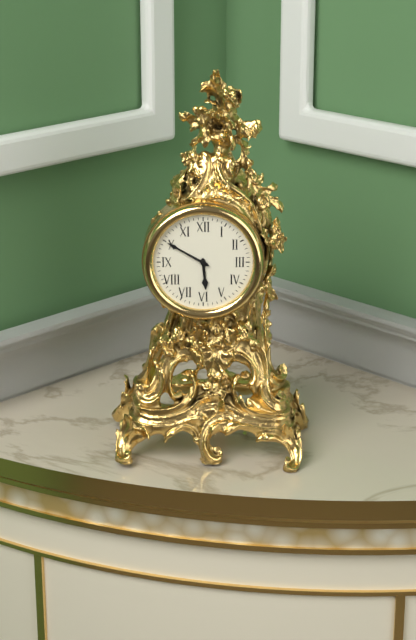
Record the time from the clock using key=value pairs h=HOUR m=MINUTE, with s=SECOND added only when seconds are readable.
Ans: h=5 m=50
